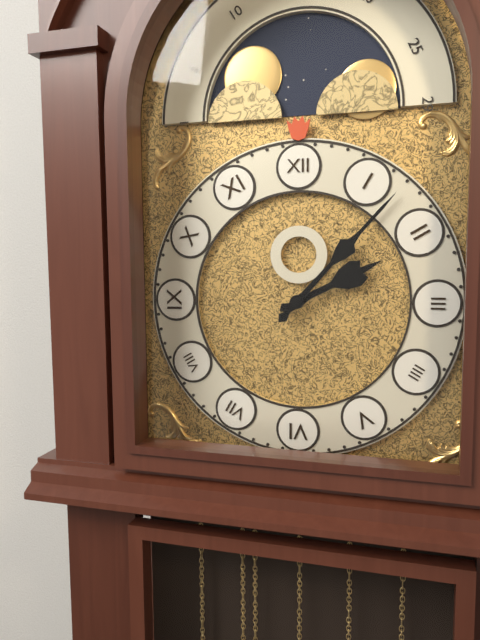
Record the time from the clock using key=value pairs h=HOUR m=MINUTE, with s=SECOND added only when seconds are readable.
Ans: h=2 m=7
